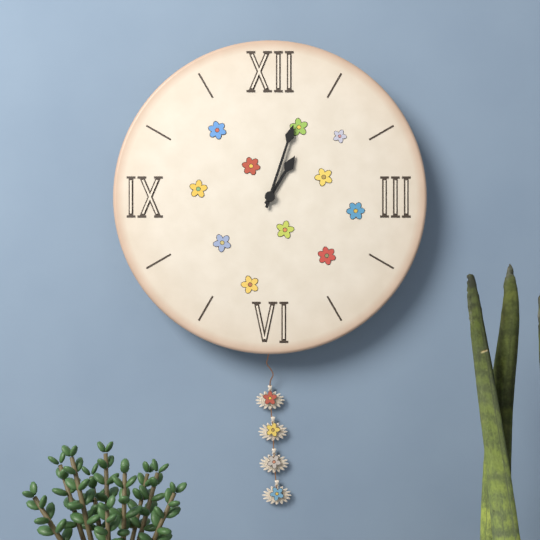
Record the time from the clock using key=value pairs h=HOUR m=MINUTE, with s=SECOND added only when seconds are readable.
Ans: h=1 m=3
